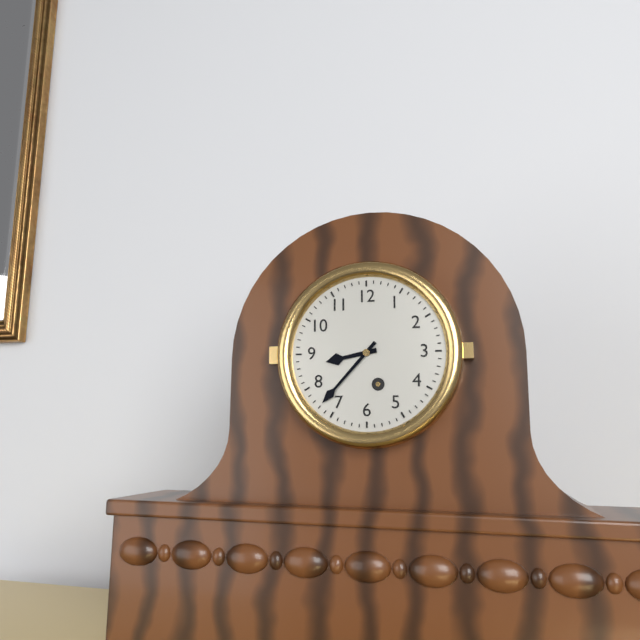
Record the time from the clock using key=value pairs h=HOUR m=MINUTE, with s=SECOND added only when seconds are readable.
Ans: h=8 m=37
